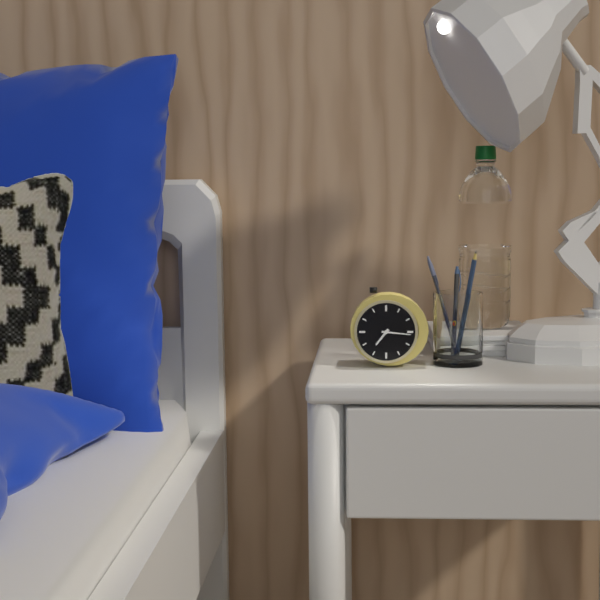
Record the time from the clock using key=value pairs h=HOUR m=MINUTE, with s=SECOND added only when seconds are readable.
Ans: h=7 m=16
